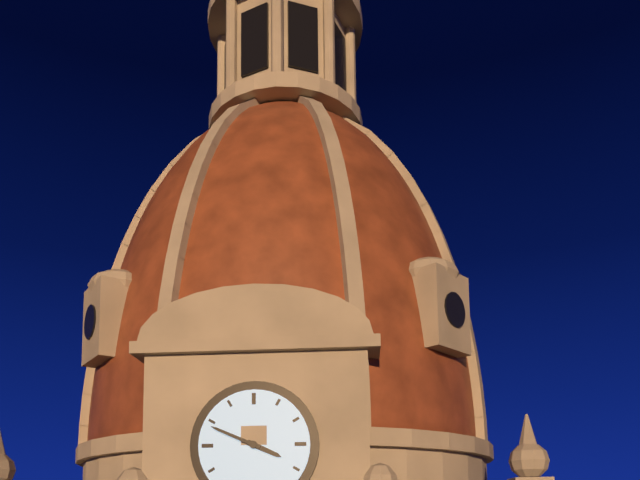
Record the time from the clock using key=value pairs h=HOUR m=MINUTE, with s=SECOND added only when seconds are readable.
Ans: h=3 m=49
